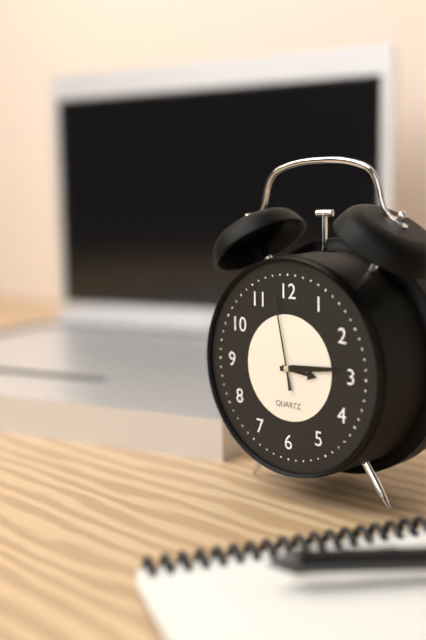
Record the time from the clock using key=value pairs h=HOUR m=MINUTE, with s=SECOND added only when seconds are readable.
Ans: h=3 m=14 s=58
